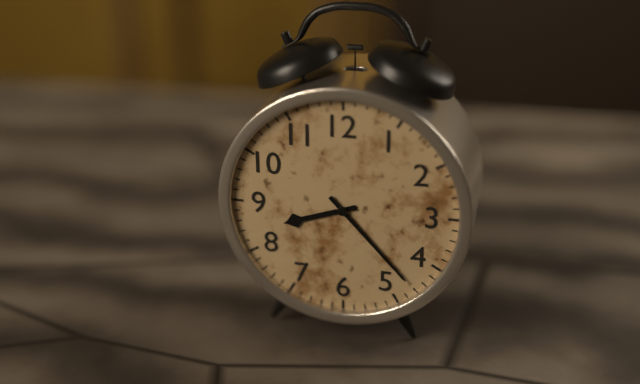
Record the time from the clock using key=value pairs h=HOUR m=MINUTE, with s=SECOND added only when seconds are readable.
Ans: h=8 m=23
